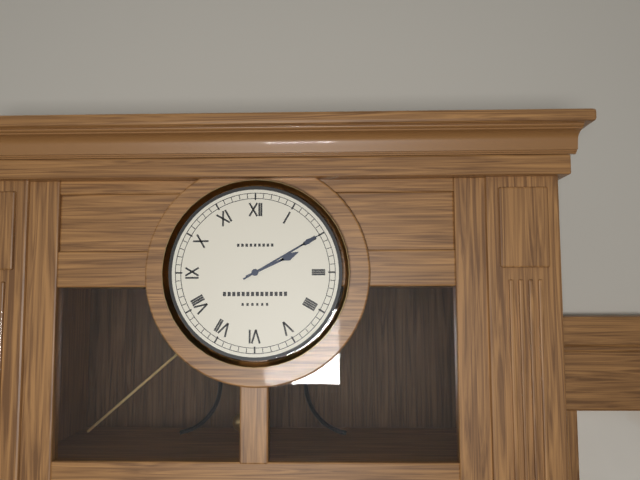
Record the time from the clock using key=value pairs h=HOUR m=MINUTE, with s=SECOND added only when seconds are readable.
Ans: h=2 m=10
